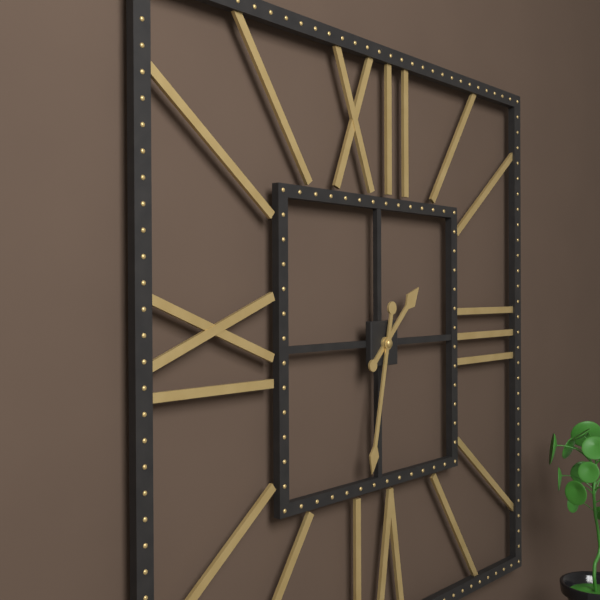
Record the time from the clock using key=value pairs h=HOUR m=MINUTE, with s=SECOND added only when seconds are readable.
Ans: h=1 m=32
